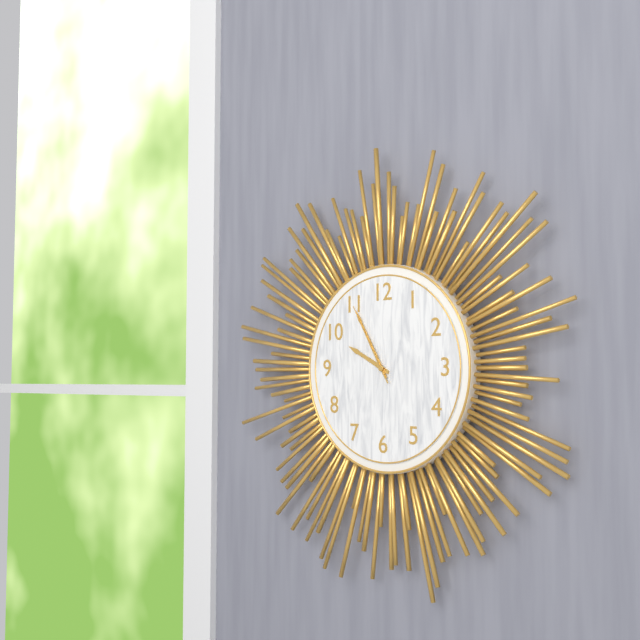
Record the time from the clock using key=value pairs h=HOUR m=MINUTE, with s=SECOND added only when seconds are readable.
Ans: h=9 m=55 s=55
